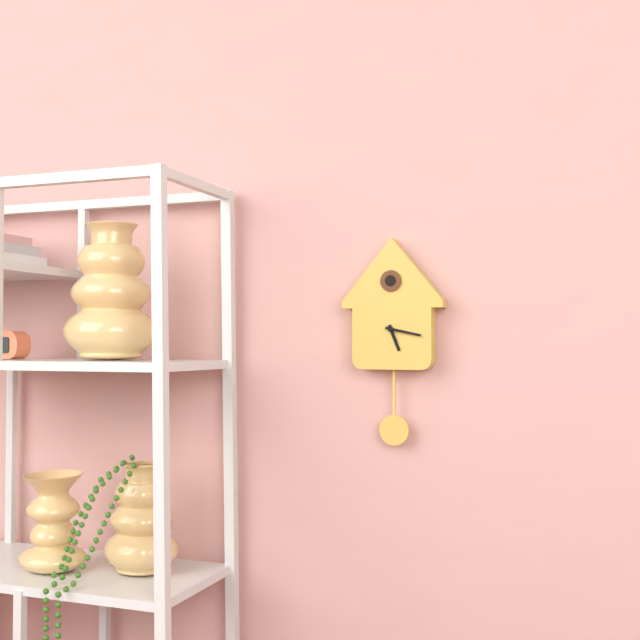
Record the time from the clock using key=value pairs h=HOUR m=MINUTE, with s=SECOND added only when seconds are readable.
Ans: h=5 m=17
